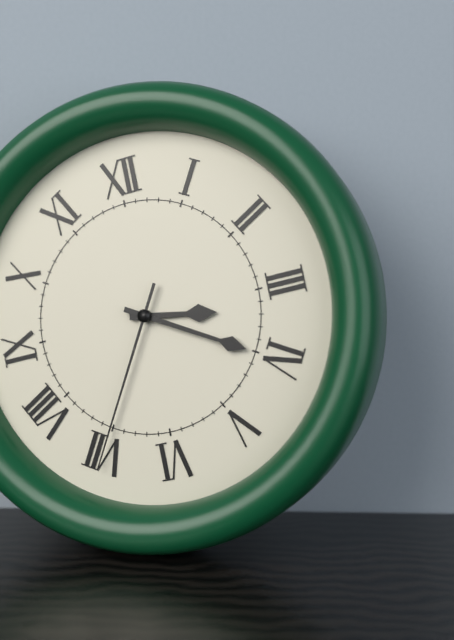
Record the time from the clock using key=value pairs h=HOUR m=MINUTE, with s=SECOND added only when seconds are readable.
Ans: h=3 m=20 s=35
